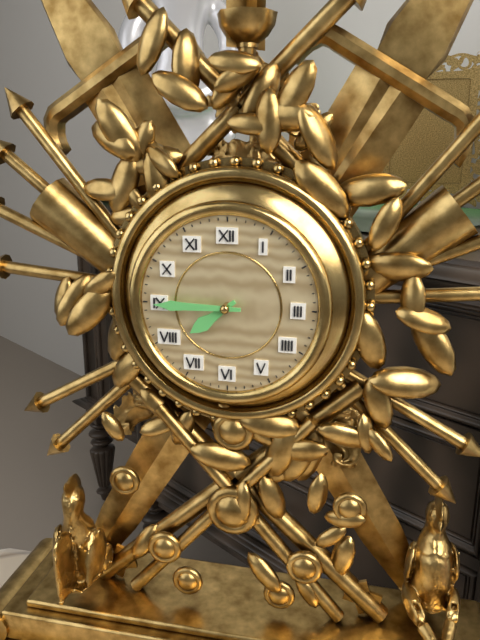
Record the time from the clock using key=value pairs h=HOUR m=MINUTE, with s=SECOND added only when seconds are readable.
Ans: h=7 m=45
